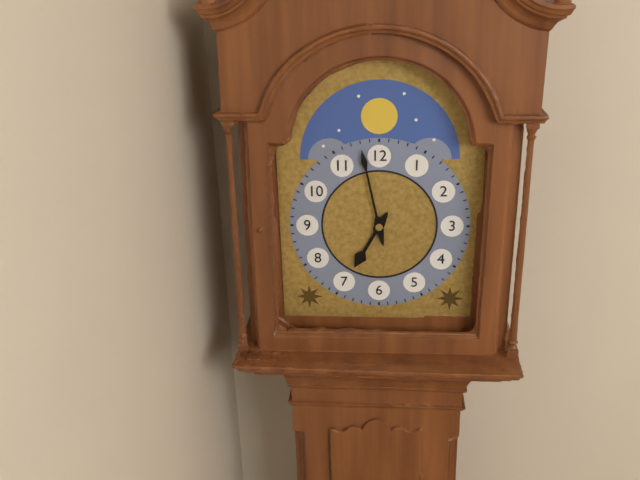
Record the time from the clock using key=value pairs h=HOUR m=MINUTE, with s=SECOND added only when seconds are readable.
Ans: h=6 m=58
